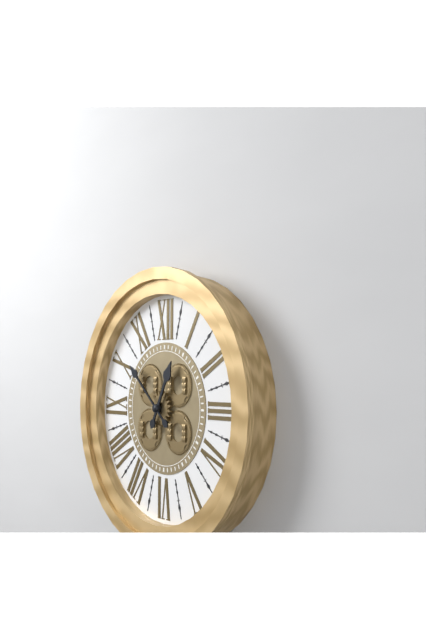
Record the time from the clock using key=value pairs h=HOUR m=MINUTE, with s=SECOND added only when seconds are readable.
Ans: h=12 m=52
